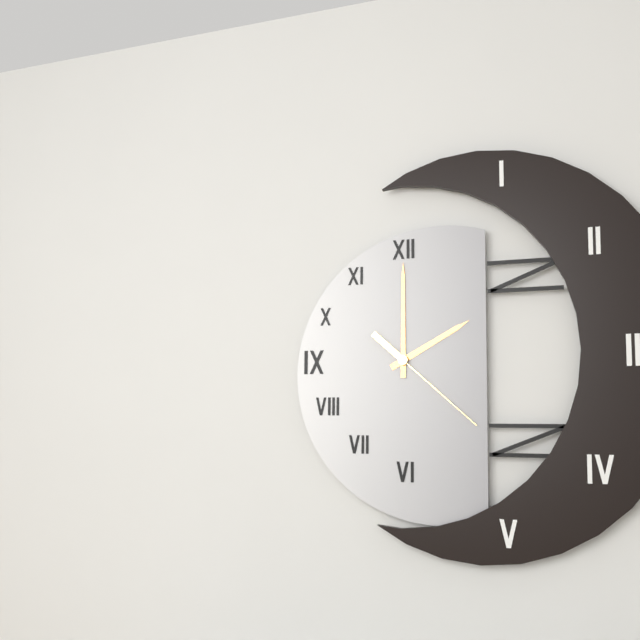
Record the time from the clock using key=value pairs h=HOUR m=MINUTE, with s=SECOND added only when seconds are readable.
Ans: h=2 m=0 s=22
